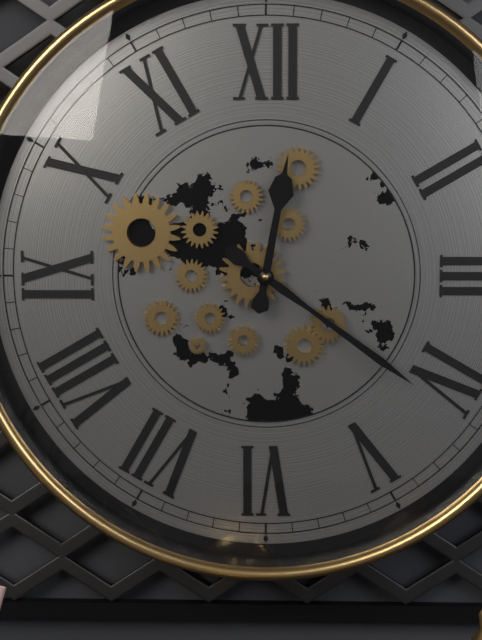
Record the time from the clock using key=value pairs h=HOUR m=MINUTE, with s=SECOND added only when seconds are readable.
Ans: h=12 m=21
